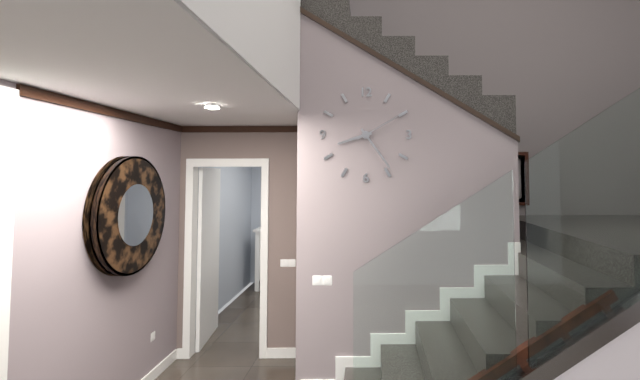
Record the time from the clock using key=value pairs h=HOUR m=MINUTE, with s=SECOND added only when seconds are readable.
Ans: h=8 m=24
